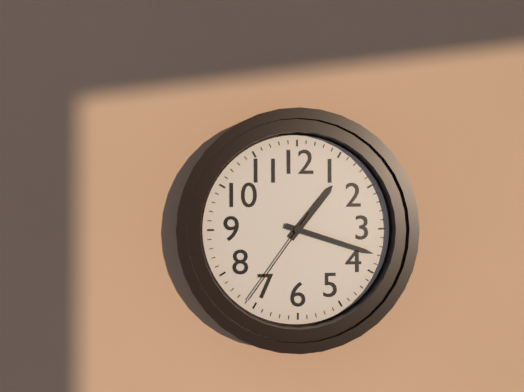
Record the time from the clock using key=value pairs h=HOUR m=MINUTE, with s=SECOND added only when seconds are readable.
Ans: h=1 m=18 s=36
